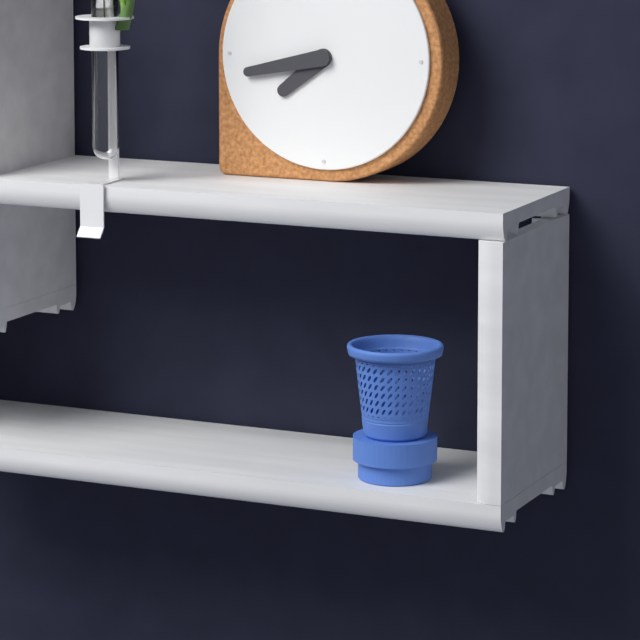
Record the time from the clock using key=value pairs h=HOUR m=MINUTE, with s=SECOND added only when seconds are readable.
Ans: h=7 m=43
